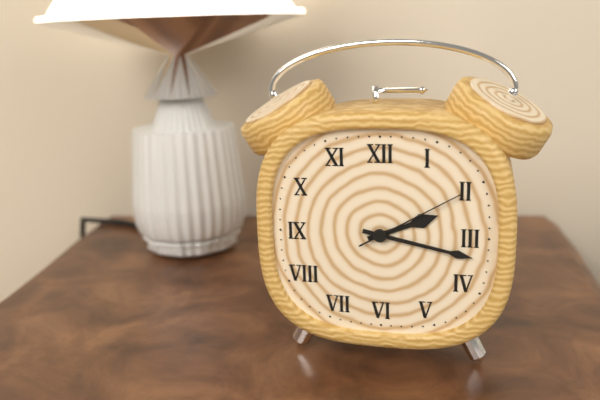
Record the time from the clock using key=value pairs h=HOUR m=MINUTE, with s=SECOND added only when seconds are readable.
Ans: h=2 m=17 s=10
